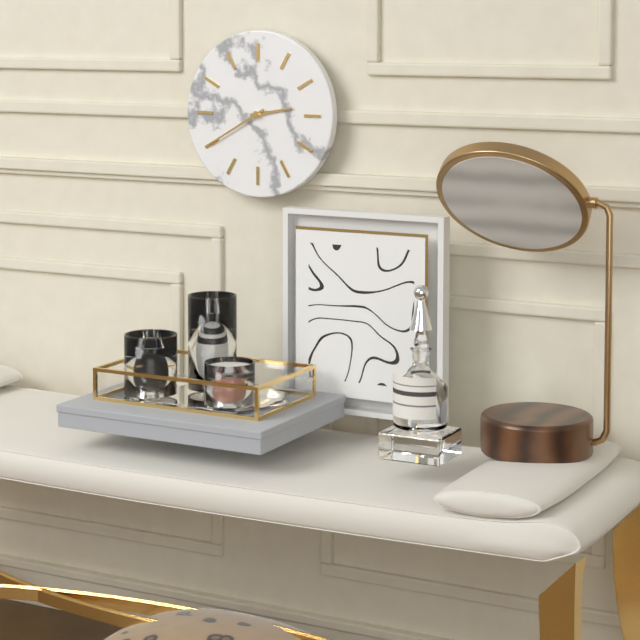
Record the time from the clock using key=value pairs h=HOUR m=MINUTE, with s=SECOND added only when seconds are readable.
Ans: h=2 m=40
